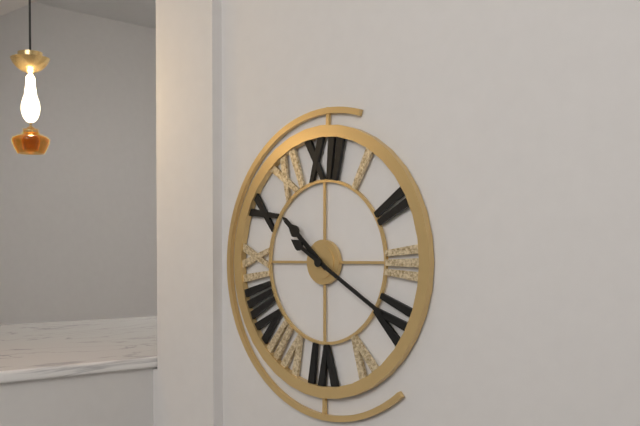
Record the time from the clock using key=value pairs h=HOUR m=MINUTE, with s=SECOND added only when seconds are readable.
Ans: h=10 m=20
